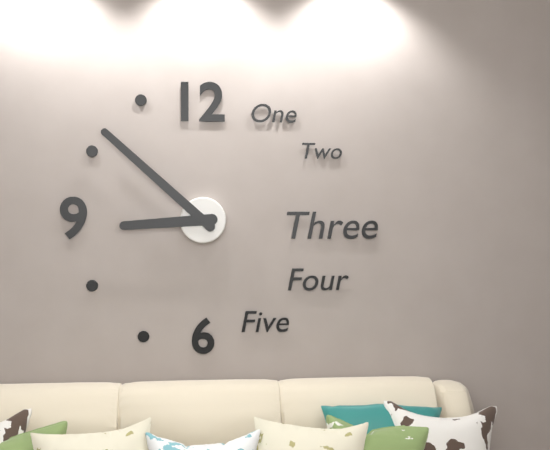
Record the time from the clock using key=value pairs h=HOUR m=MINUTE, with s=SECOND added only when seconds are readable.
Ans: h=8 m=52
